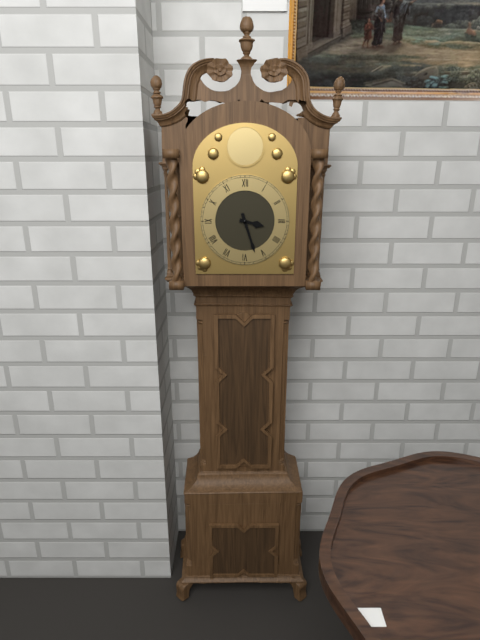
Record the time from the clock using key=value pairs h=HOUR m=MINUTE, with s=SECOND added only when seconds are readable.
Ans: h=3 m=27
